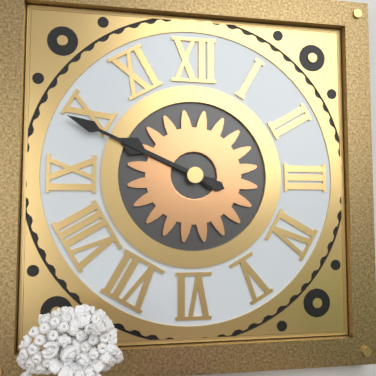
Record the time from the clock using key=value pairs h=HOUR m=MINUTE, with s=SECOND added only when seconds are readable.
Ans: h=9 m=49
